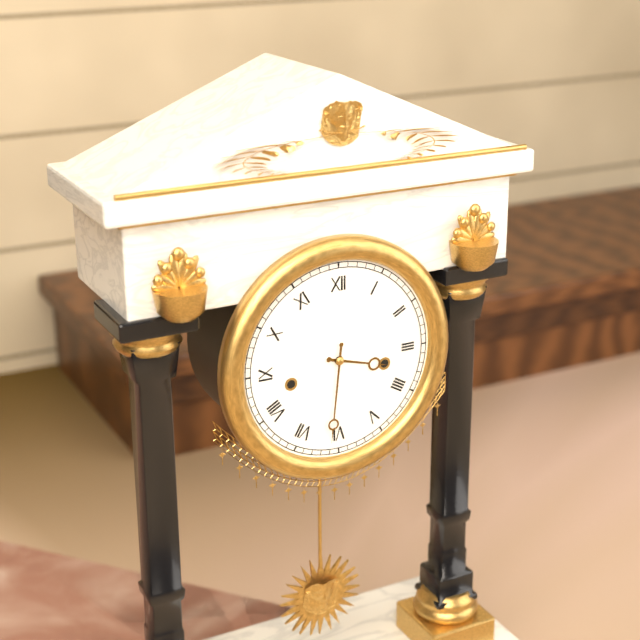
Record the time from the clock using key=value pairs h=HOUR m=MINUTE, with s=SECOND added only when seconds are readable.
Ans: h=3 m=31
